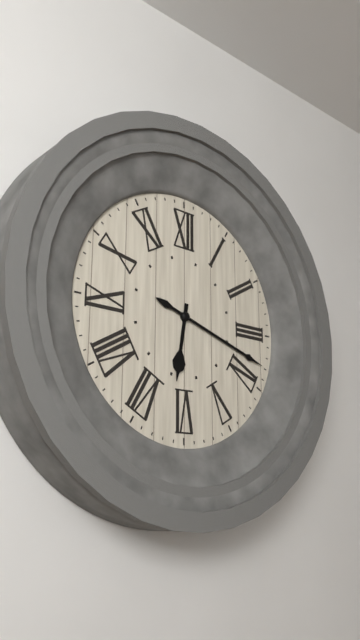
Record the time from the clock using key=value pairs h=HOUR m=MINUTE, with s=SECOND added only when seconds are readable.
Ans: h=6 m=18
